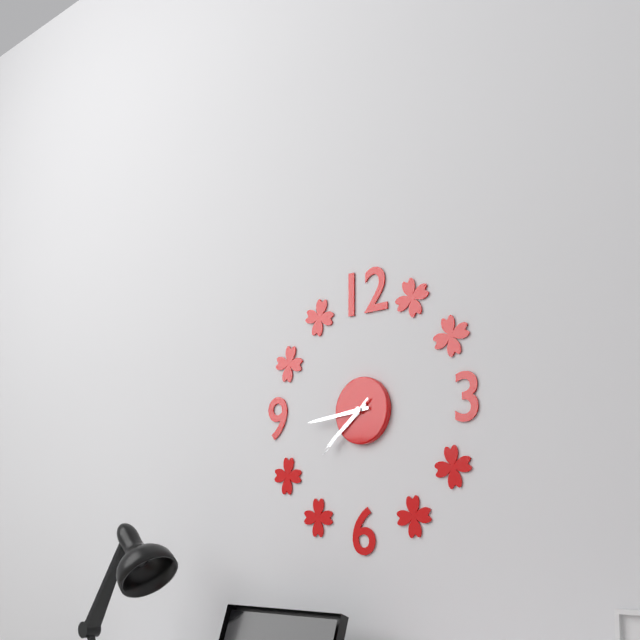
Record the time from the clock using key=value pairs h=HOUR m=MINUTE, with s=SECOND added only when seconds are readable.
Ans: h=7 m=44 s=38
